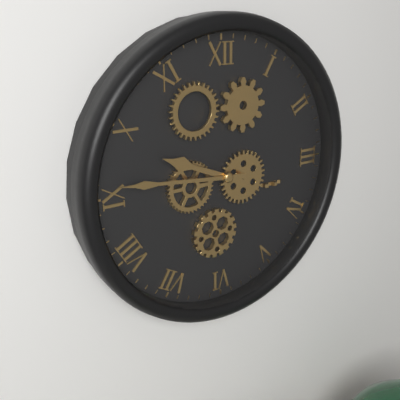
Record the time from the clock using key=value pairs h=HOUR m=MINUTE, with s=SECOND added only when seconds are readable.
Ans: h=9 m=46
